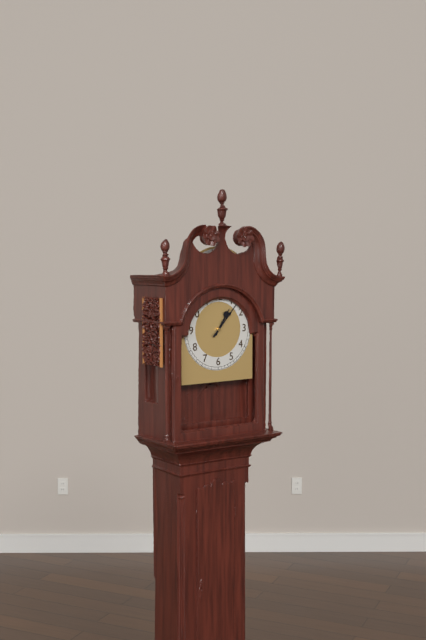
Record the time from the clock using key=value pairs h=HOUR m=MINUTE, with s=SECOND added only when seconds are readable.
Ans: h=1 m=7
